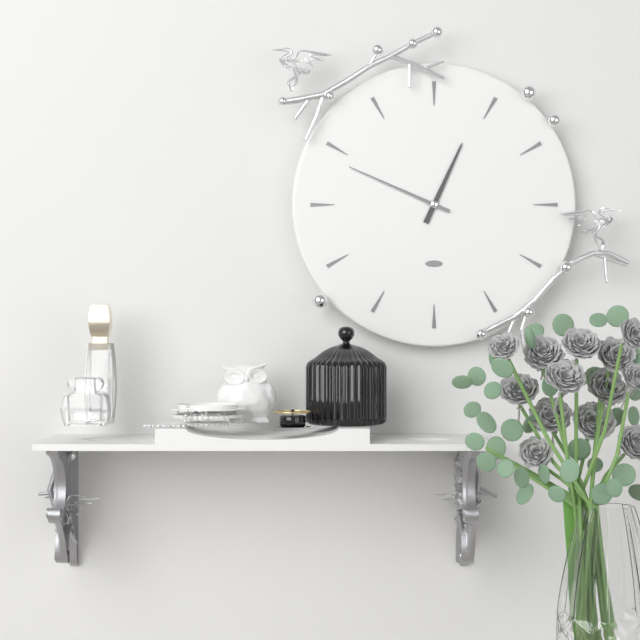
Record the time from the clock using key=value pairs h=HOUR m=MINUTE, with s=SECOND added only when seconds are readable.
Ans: h=12 m=49
